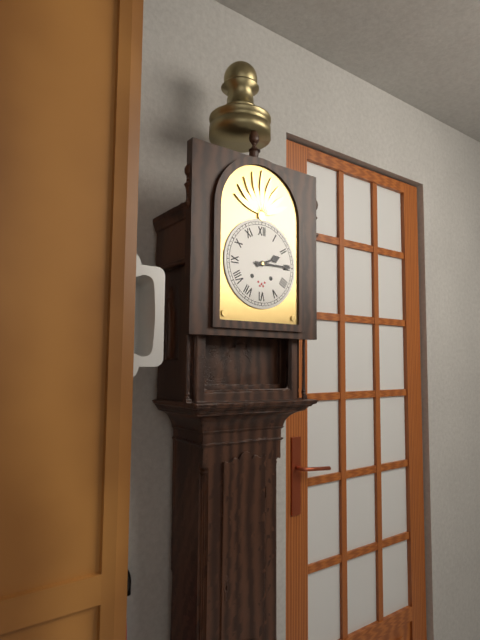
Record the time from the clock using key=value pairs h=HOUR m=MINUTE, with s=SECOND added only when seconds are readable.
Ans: h=2 m=15
